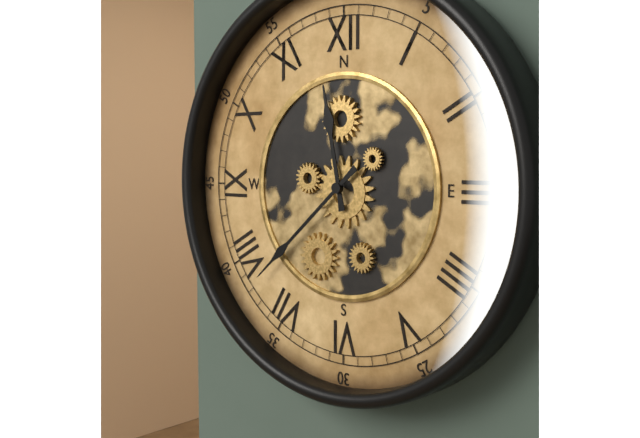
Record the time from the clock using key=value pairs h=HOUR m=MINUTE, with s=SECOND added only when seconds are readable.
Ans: h=11 m=38
